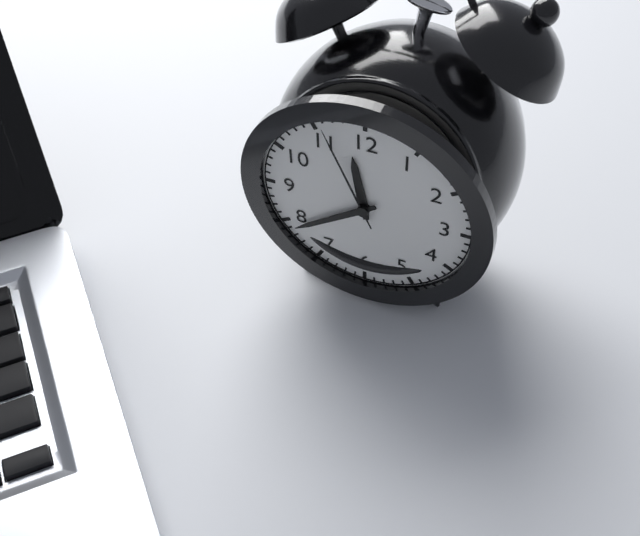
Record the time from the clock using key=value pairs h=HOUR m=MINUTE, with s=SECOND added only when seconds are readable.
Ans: h=11 m=39 s=56
